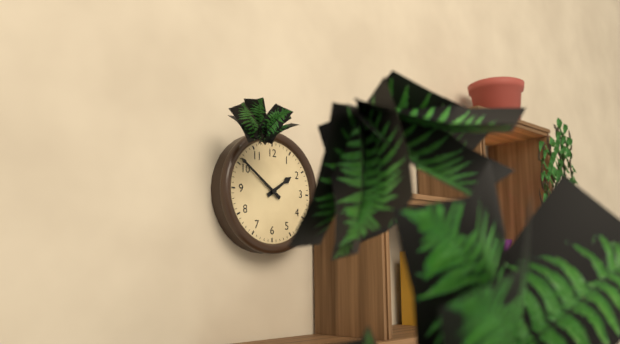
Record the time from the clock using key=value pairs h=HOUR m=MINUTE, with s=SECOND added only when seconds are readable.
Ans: h=1 m=51
